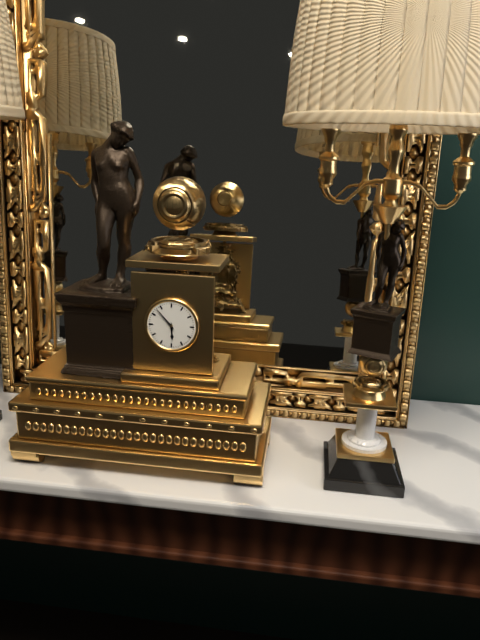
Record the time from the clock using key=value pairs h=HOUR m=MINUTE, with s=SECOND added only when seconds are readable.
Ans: h=5 m=53
